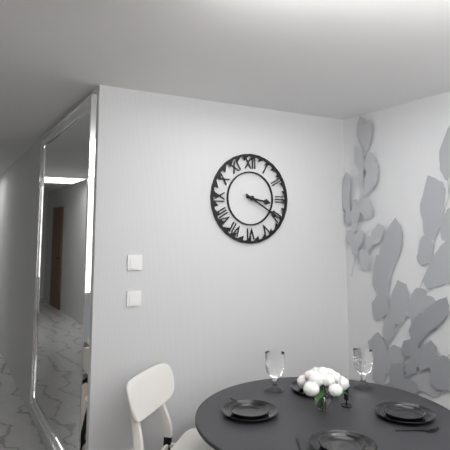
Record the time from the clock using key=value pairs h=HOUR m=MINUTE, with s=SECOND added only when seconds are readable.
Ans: h=3 m=20
